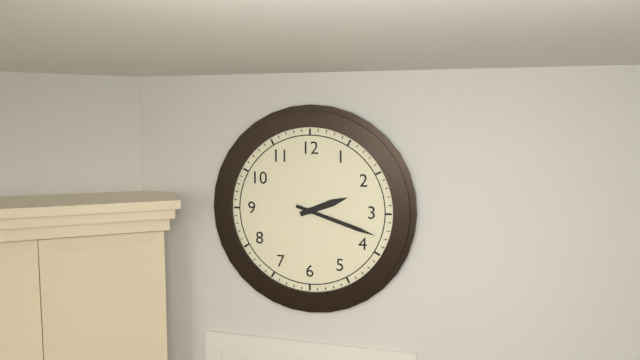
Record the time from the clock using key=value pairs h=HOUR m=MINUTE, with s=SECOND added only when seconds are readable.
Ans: h=2 m=18
